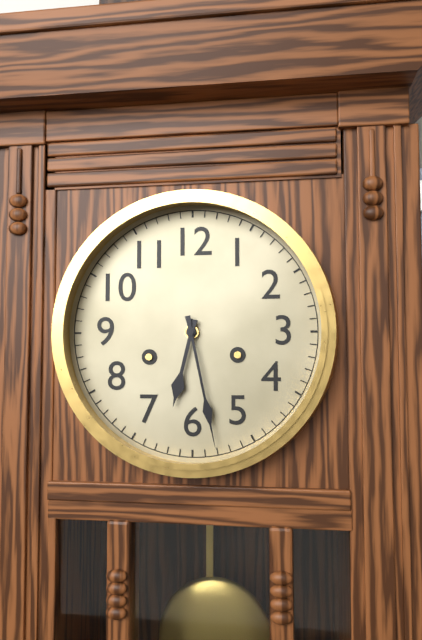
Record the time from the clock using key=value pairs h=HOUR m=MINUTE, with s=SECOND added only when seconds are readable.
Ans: h=6 m=28
